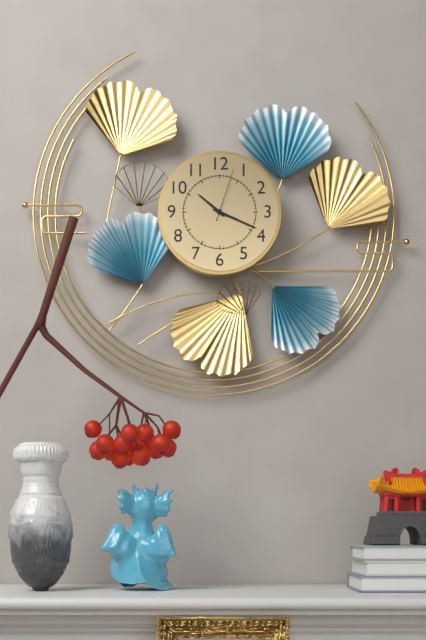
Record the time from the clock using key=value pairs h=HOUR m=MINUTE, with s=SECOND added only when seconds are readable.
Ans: h=10 m=19 s=3
